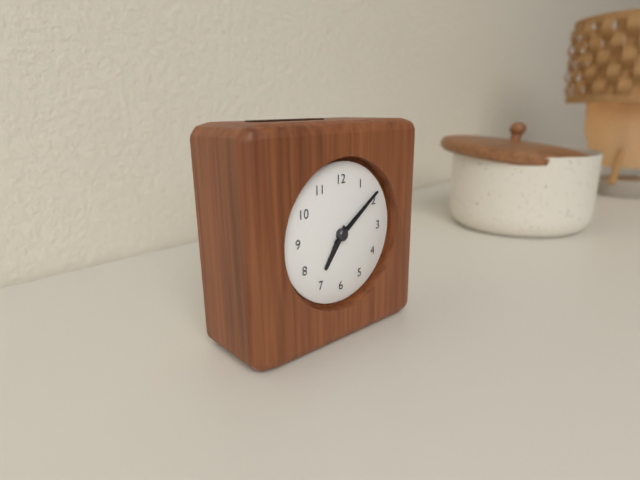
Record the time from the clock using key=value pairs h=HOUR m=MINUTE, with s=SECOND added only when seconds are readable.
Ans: h=7 m=9 s=9
